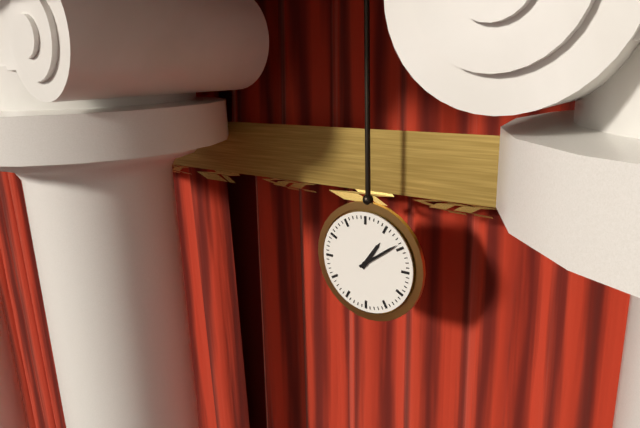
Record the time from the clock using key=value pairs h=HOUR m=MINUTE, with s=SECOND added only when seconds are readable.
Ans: h=1 m=9
